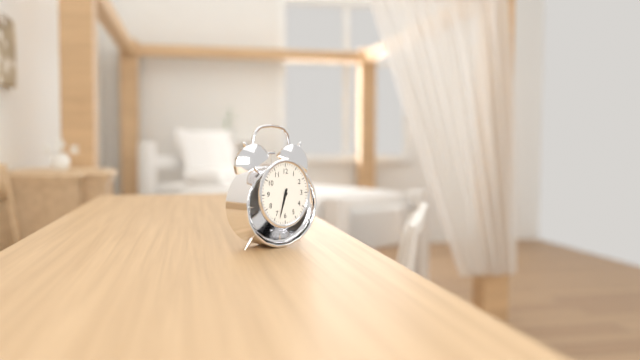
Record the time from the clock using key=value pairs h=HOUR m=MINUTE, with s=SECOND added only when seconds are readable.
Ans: h=6 m=33
